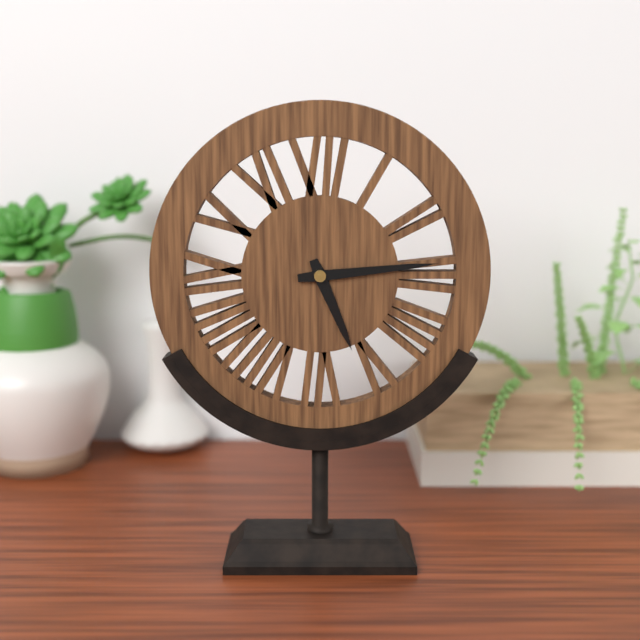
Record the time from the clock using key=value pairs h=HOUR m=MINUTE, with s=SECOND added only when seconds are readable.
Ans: h=5 m=14
